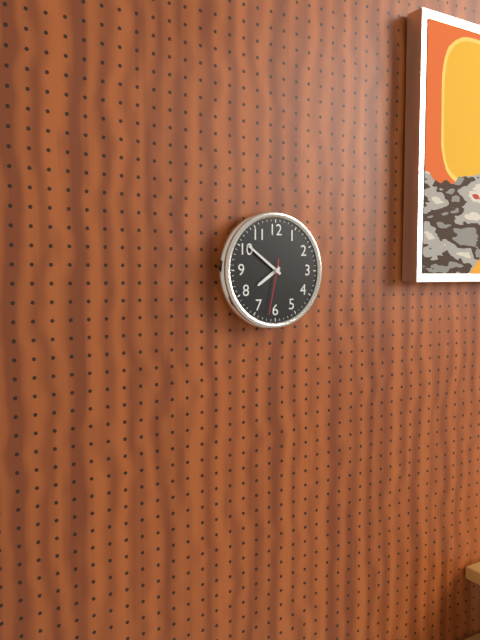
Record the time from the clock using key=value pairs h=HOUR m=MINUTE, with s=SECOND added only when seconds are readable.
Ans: h=7 m=51 s=32
